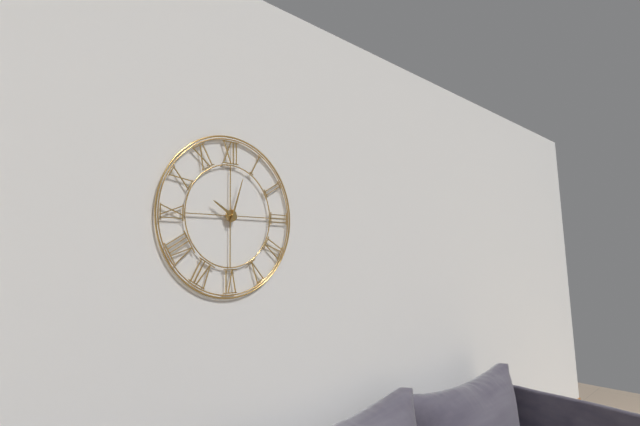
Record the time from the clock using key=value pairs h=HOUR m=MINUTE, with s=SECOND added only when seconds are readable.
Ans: h=10 m=3
